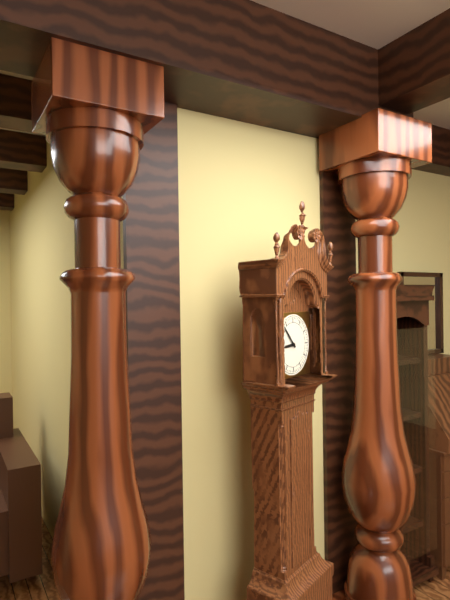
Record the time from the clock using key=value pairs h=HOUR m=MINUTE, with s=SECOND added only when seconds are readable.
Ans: h=8 m=53
